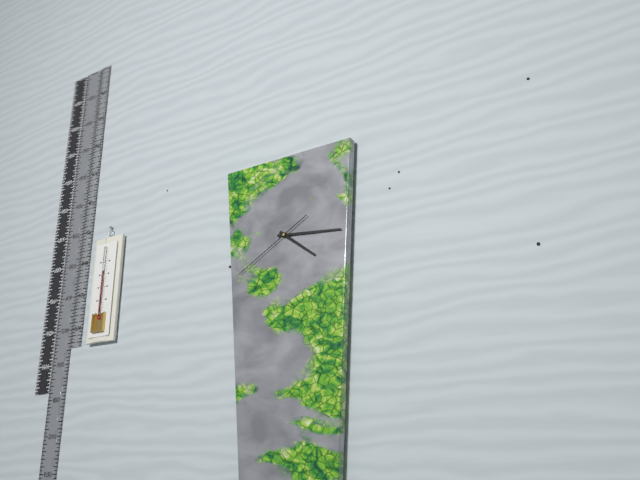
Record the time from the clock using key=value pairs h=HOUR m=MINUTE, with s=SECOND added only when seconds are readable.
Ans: h=4 m=16 s=40
